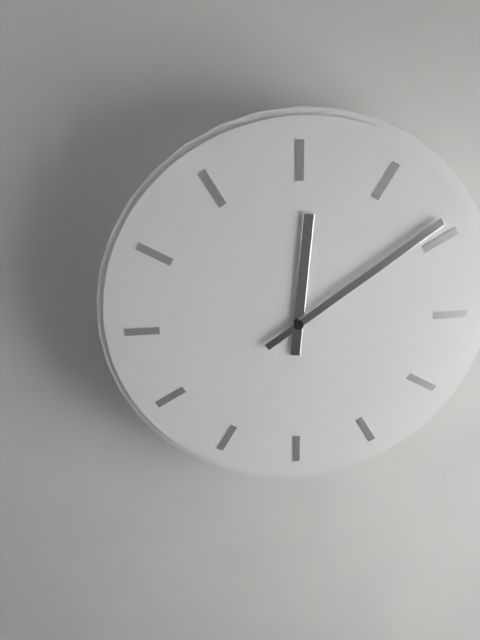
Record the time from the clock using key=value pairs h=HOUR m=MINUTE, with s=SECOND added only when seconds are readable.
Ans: h=12 m=9
